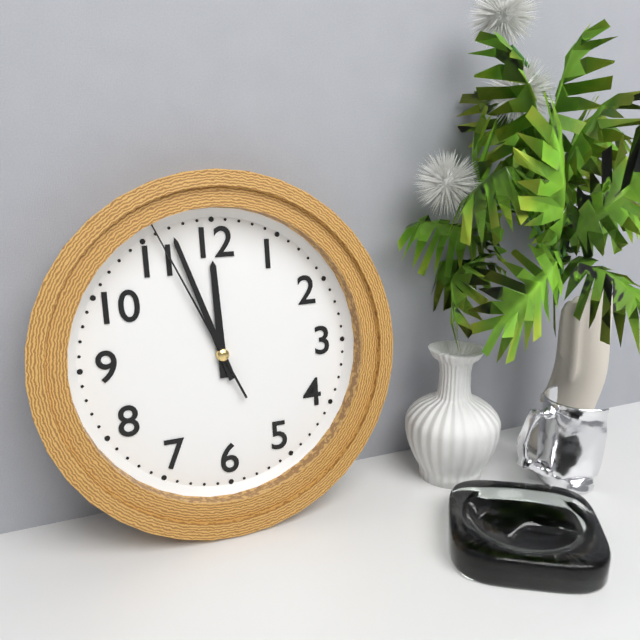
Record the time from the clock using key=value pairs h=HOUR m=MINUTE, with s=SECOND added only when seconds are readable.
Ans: h=11 m=57 s=56
